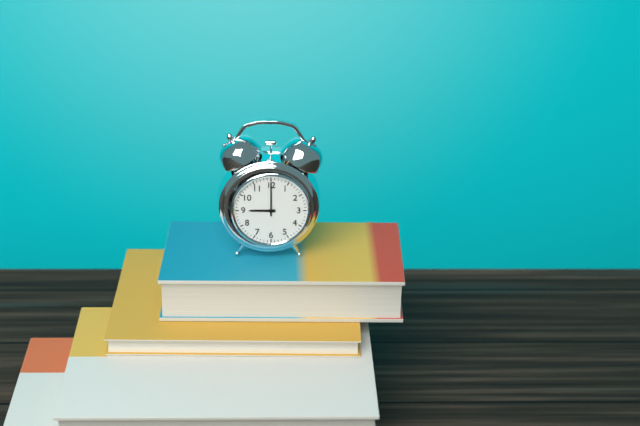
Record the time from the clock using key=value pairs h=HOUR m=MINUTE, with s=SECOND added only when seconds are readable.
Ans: h=9 m=0
